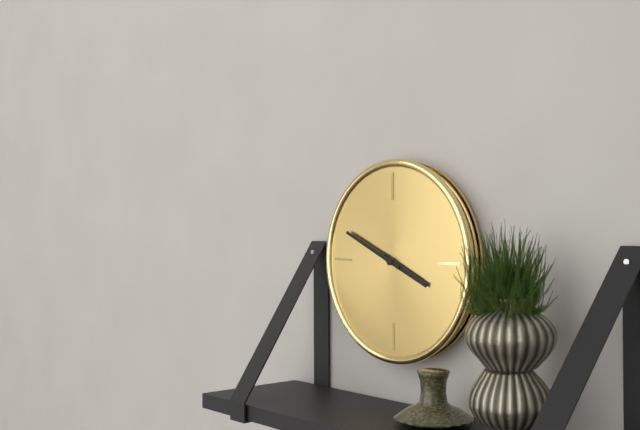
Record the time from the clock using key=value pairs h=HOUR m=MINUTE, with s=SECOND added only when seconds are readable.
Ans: h=3 m=49
